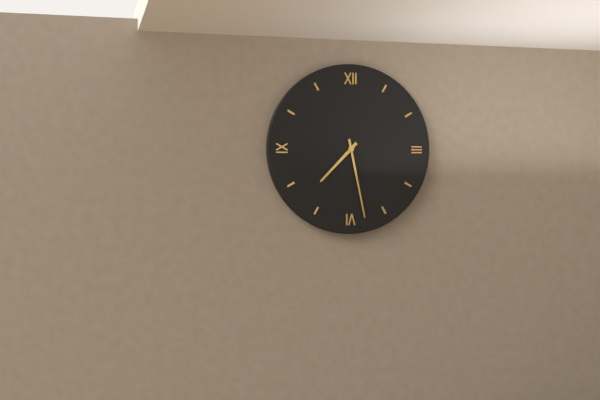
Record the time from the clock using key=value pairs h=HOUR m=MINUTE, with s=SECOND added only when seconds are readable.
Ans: h=7 m=28
